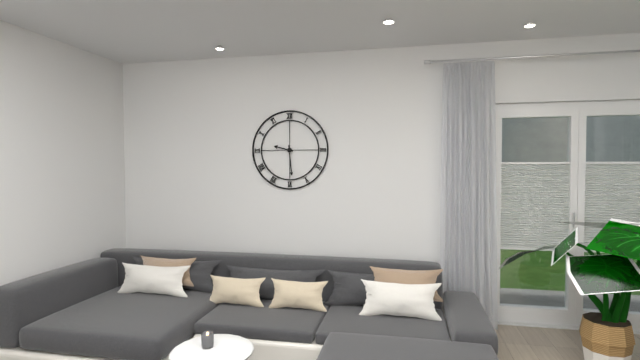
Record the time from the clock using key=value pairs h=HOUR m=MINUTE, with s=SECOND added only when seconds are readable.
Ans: h=9 m=29
